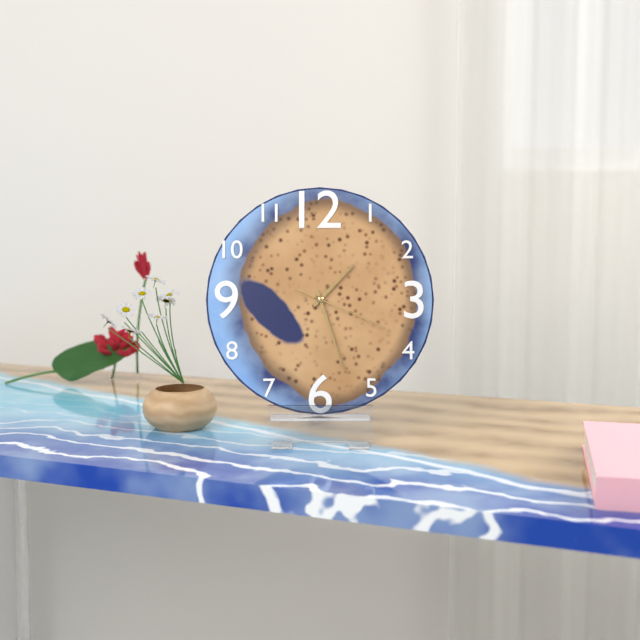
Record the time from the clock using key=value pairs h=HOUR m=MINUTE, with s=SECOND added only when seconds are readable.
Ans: h=1 m=27 s=19
